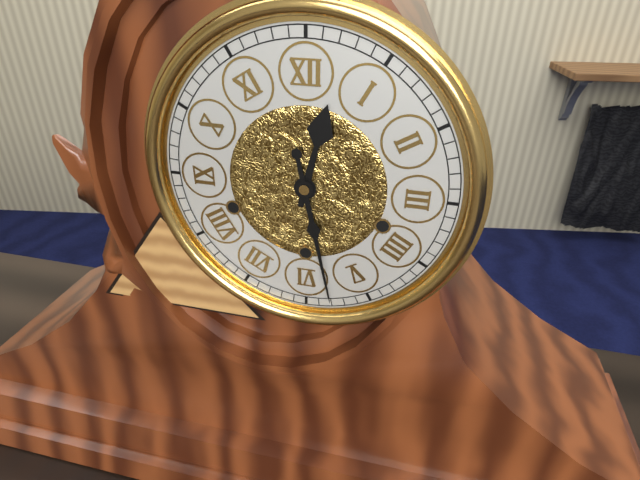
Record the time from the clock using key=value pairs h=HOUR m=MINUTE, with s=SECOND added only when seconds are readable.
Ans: h=12 m=28
